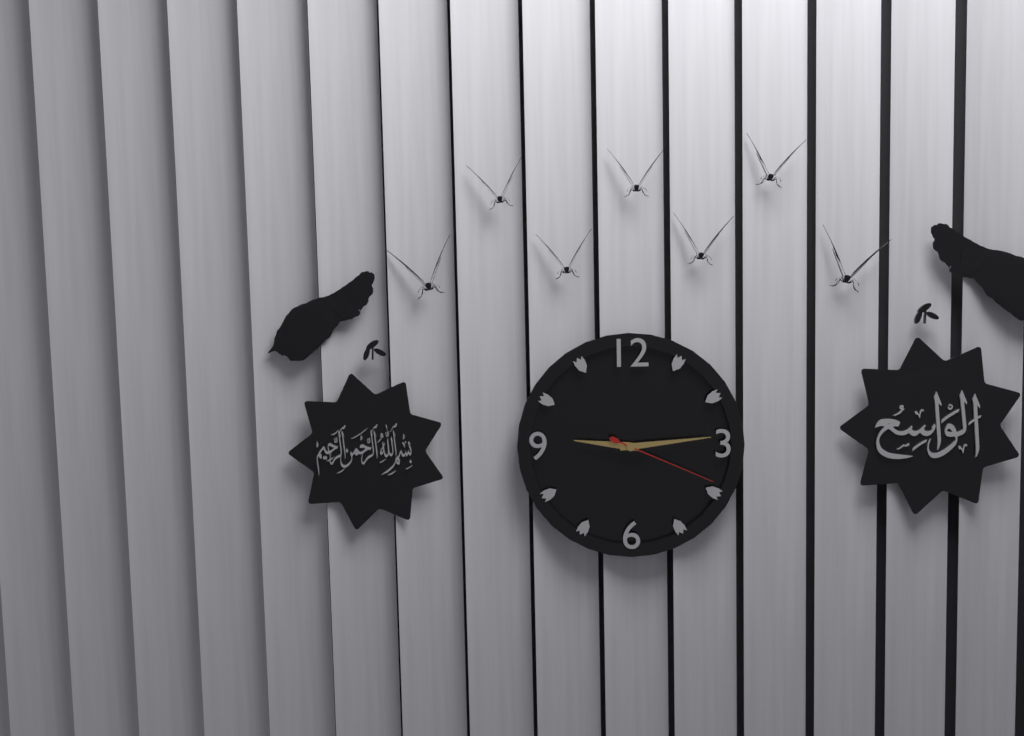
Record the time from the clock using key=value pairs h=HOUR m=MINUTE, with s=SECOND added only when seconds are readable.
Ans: h=9 m=14 s=19
